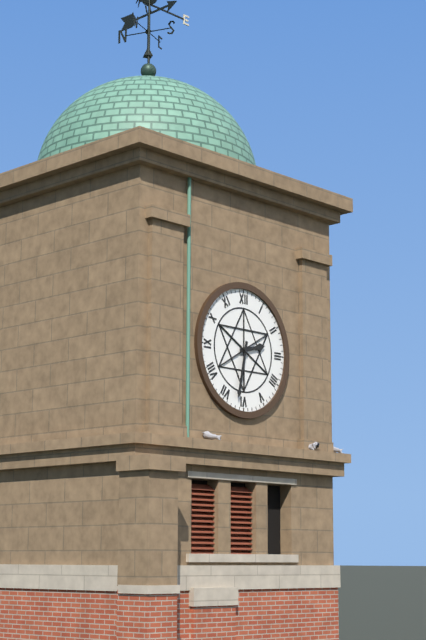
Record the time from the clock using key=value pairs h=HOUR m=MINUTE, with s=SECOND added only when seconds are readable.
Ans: h=2 m=32
